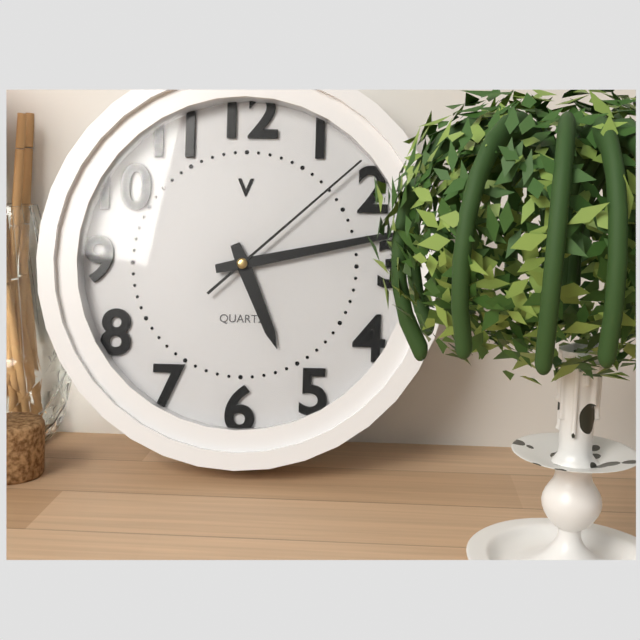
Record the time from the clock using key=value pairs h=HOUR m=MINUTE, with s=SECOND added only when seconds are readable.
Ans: h=5 m=13 s=8
